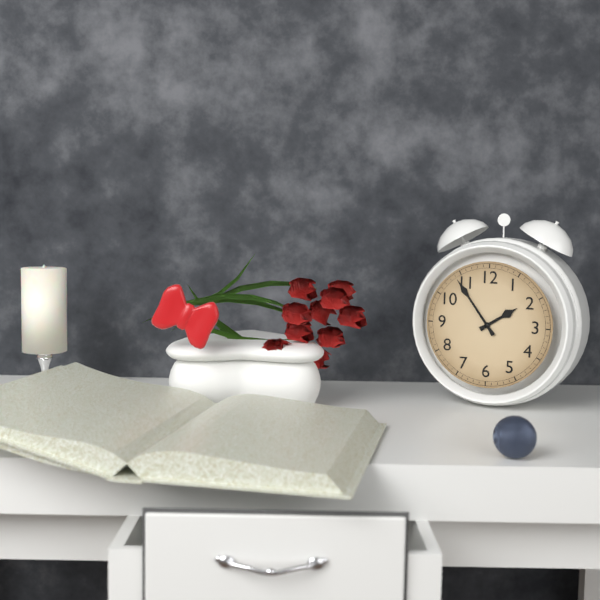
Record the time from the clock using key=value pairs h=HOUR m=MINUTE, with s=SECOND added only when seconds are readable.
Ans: h=1 m=54
